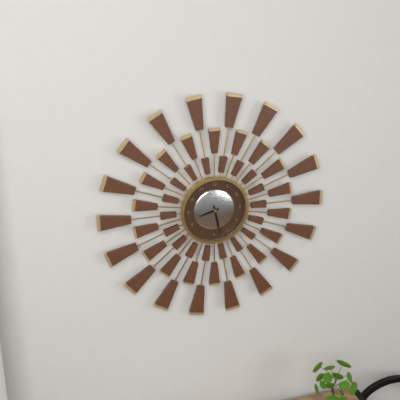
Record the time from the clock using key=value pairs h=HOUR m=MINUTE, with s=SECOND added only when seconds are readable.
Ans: h=8 m=28
